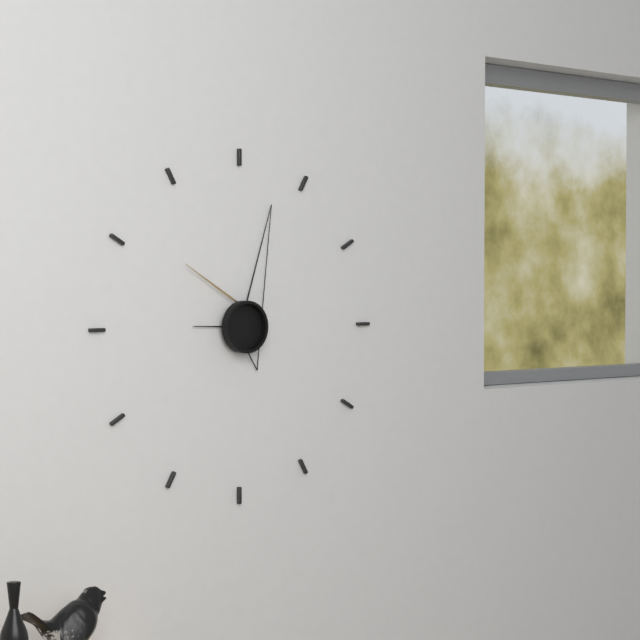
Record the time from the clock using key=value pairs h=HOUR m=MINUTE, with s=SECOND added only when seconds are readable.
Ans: h=9 m=3 s=52
